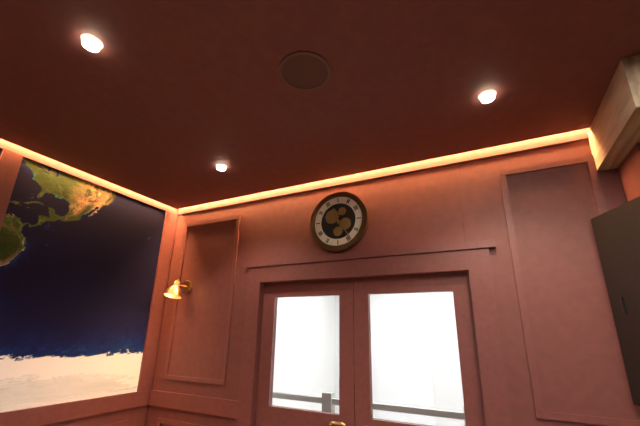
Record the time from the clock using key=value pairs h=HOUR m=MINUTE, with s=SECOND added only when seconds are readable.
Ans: h=11 m=24
